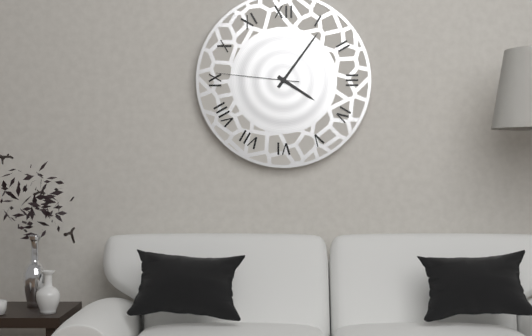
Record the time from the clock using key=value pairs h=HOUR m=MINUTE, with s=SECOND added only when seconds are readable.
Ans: h=4 m=6 s=46
